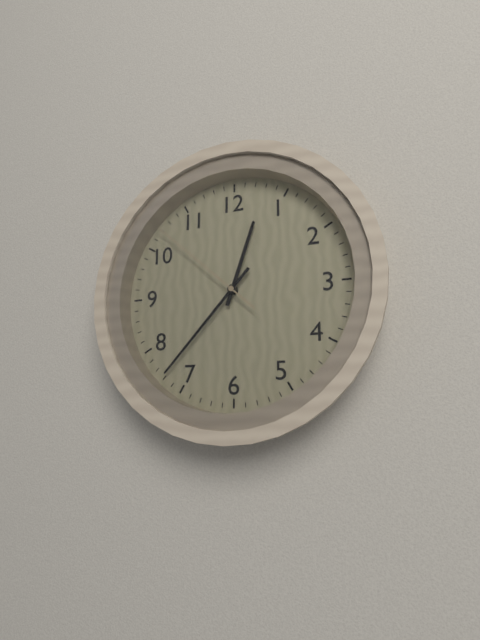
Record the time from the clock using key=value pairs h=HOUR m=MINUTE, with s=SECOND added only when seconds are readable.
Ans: h=12 m=37 s=52
